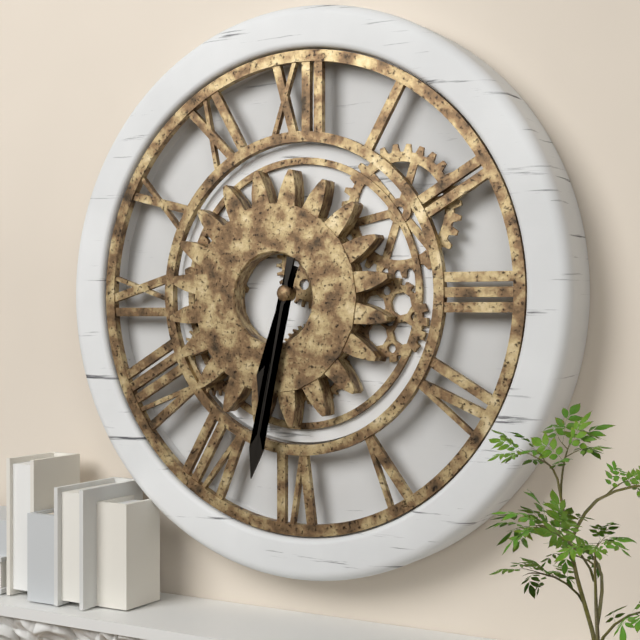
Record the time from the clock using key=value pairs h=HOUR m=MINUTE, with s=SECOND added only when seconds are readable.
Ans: h=6 m=32
